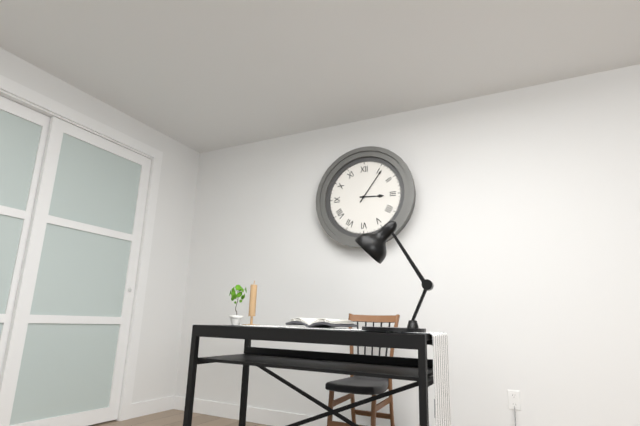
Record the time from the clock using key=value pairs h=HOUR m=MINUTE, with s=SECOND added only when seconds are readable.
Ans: h=3 m=6
